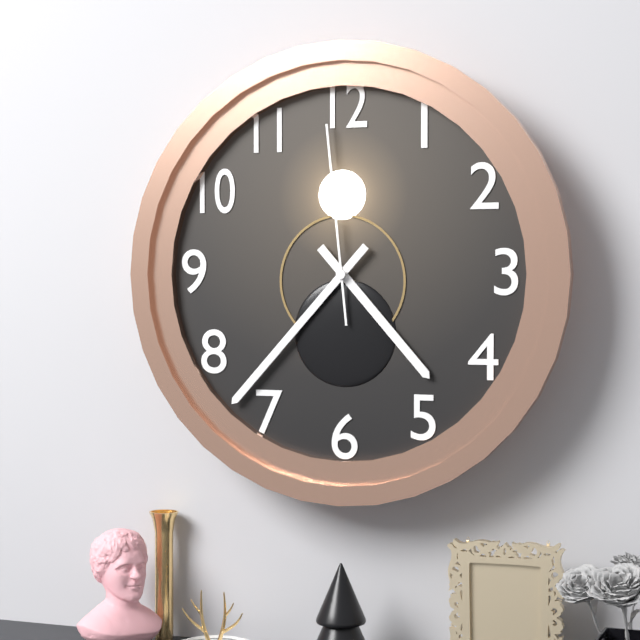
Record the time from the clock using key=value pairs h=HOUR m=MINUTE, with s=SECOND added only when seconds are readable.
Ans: h=4 m=37 s=59
